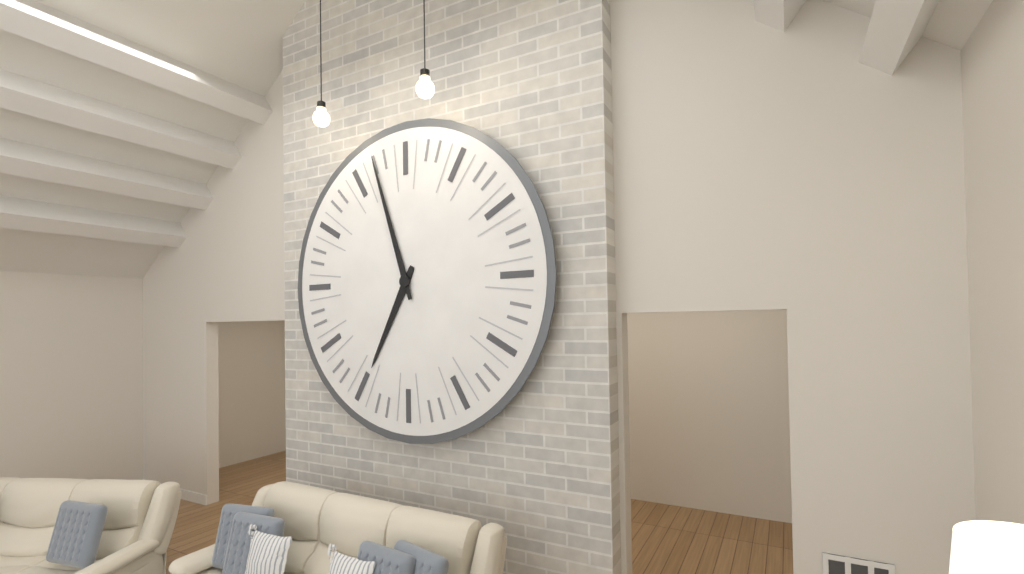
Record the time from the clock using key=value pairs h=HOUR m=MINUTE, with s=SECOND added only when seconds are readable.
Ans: h=6 m=57
